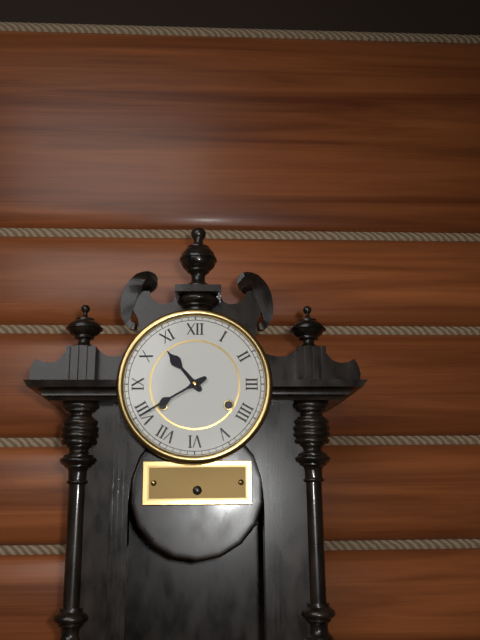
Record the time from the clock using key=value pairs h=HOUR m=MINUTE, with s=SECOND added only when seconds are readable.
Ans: h=10 m=40
